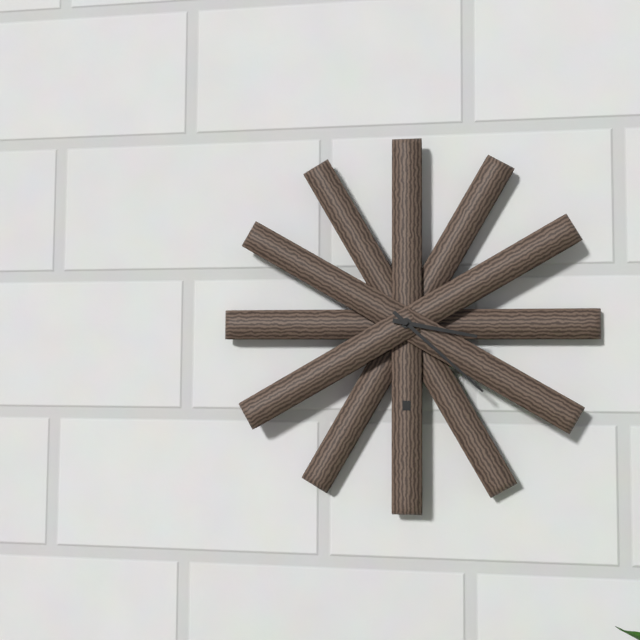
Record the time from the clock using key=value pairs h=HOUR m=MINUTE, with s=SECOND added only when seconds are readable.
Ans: h=3 m=22
